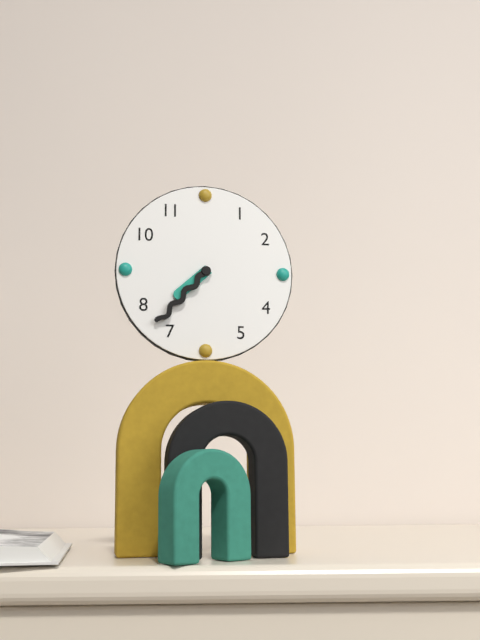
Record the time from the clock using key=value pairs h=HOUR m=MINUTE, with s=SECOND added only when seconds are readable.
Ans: h=7 m=37
